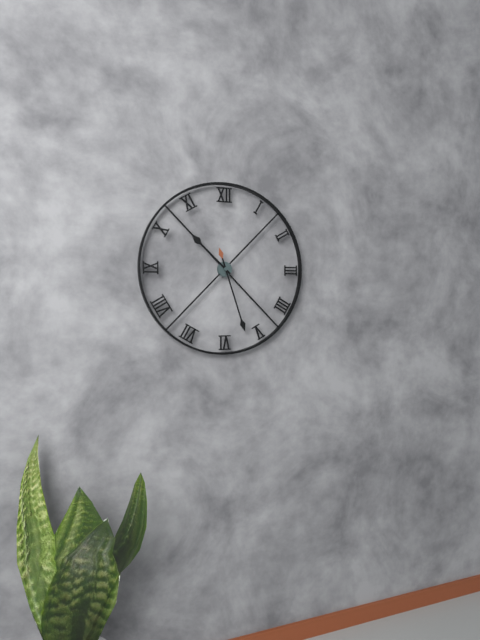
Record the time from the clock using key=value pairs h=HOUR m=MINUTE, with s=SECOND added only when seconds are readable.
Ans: h=10 m=27
